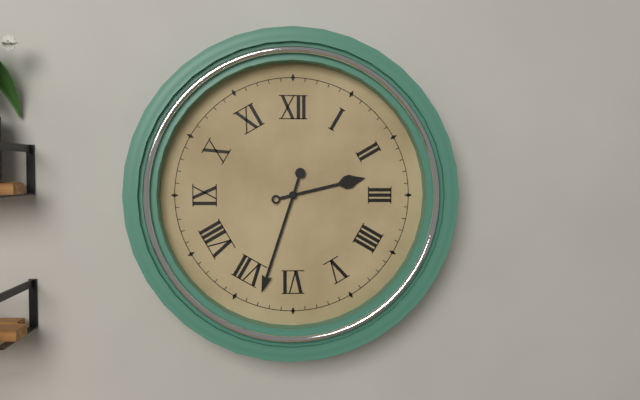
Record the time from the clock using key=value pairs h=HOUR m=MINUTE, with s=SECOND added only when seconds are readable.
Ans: h=2 m=33
